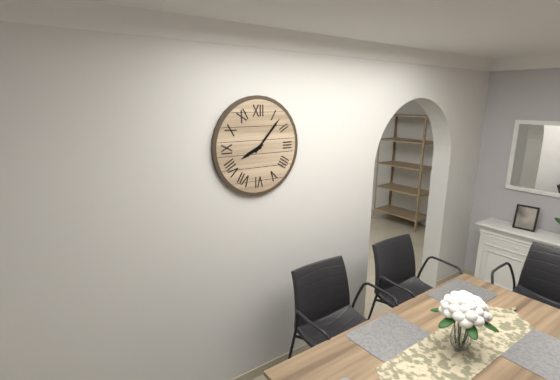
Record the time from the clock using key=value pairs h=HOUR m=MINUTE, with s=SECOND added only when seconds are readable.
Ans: h=8 m=7
